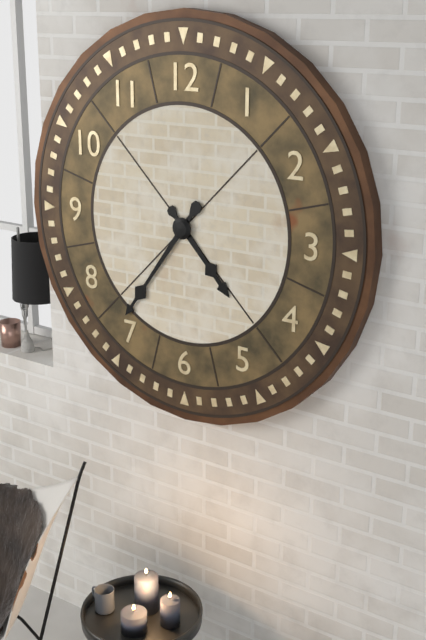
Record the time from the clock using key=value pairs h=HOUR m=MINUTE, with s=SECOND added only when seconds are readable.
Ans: h=4 m=36
